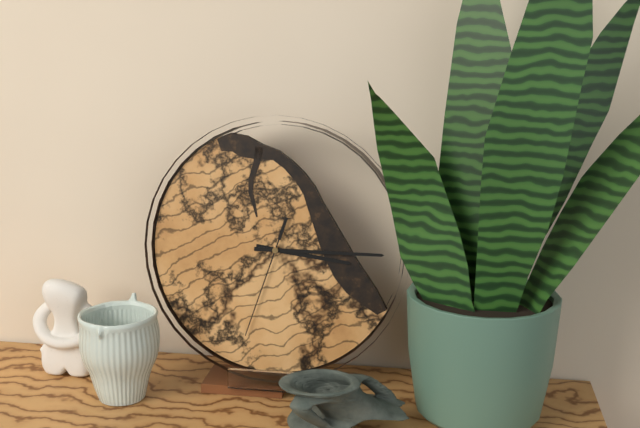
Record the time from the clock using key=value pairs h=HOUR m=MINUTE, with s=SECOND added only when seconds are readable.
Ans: h=3 m=15 s=33
